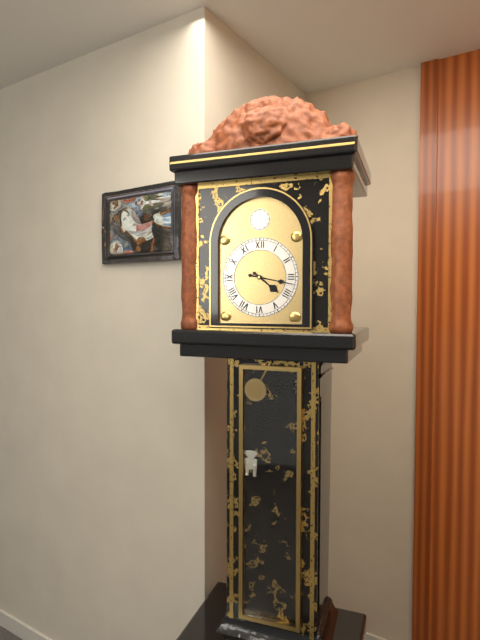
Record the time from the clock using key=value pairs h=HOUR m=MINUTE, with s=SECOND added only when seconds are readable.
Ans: h=4 m=17
